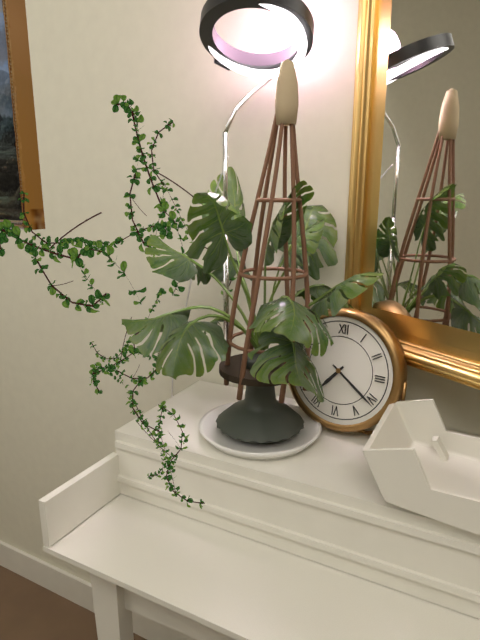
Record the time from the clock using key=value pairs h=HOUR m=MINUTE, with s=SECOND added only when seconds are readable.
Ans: h=7 m=21
